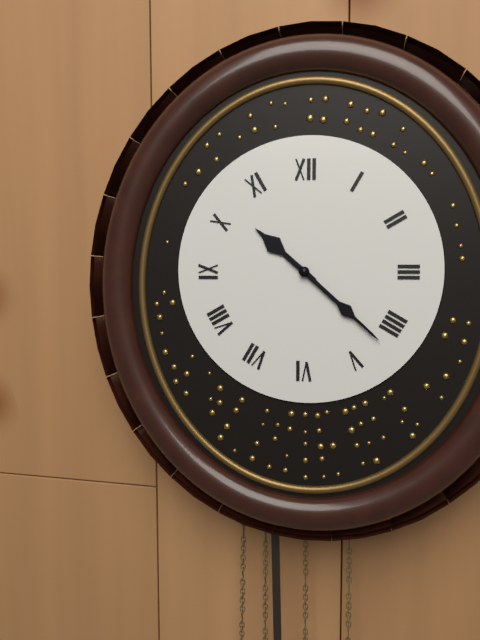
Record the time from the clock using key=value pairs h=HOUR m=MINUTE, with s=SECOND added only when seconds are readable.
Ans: h=10 m=22
